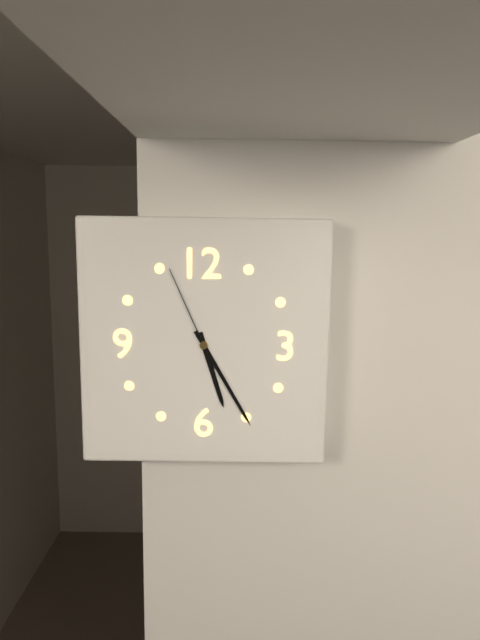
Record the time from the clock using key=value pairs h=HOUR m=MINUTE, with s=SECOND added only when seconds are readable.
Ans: h=5 m=25 s=56
